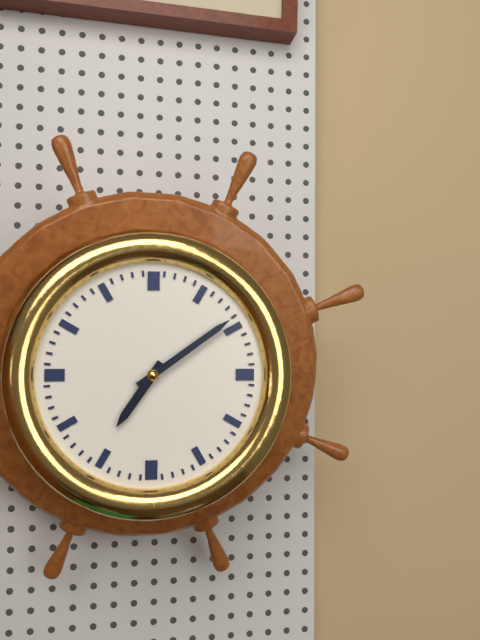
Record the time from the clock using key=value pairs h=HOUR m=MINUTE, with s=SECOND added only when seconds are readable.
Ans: h=7 m=9
